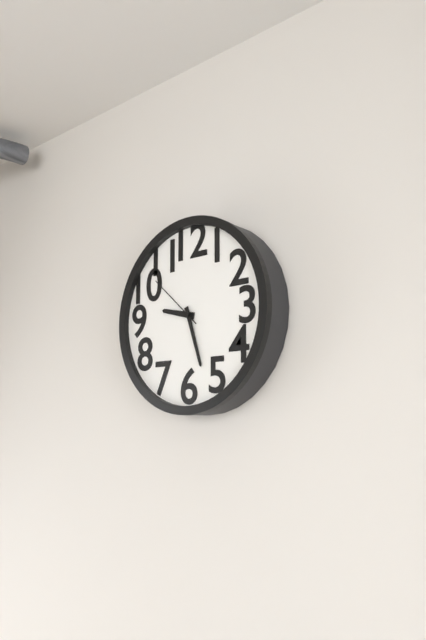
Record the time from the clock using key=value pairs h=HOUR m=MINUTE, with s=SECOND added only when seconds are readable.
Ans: h=9 m=27 s=52
